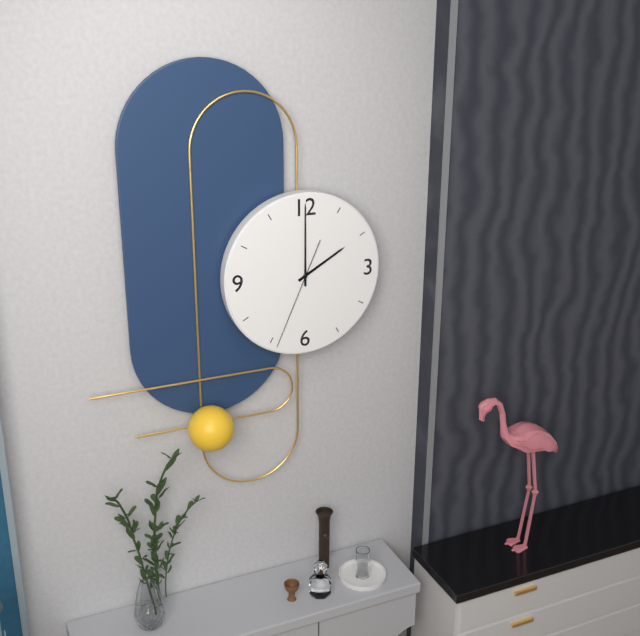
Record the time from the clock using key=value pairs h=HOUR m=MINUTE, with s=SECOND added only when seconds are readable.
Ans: h=2 m=0 s=34
